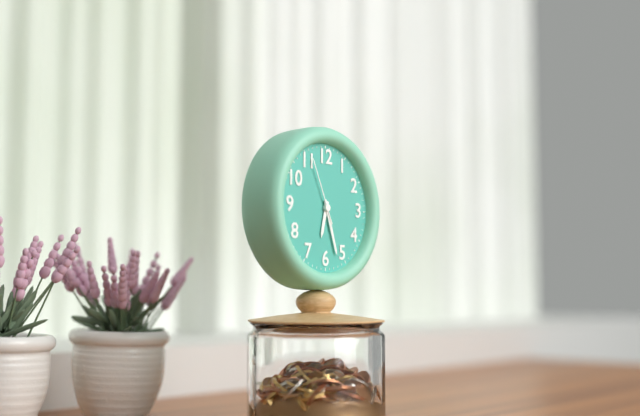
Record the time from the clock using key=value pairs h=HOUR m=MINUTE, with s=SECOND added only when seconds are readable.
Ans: h=6 m=27 s=56
